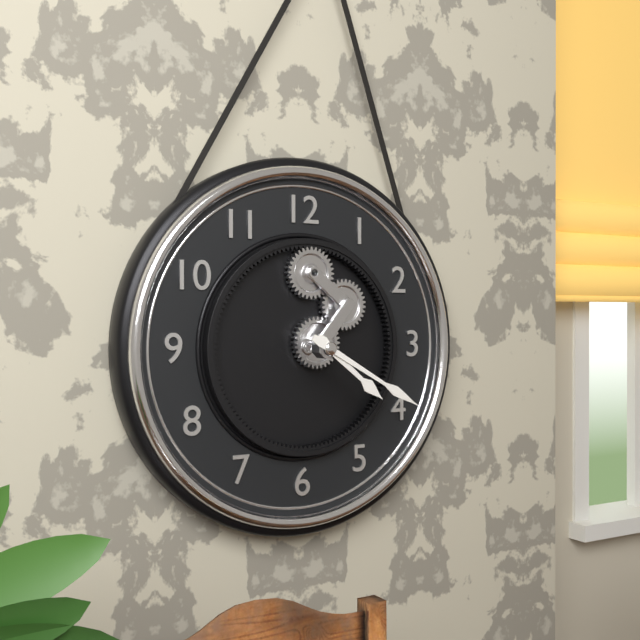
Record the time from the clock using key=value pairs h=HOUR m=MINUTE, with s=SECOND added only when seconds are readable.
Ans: h=4 m=20
